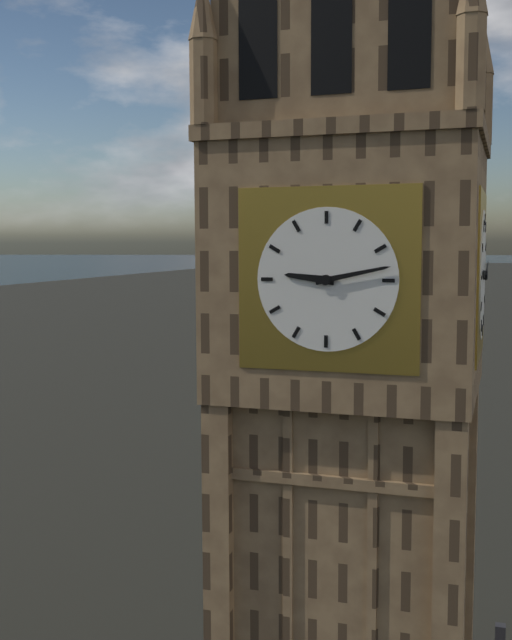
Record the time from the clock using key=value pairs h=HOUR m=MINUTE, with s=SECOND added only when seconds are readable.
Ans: h=9 m=13
